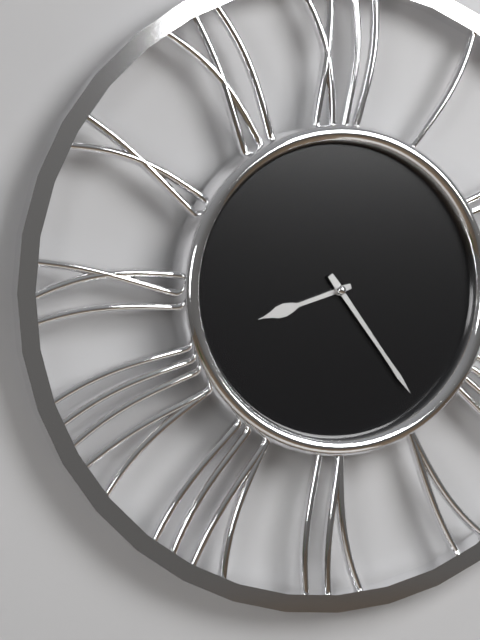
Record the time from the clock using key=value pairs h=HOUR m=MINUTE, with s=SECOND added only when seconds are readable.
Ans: h=8 m=24
